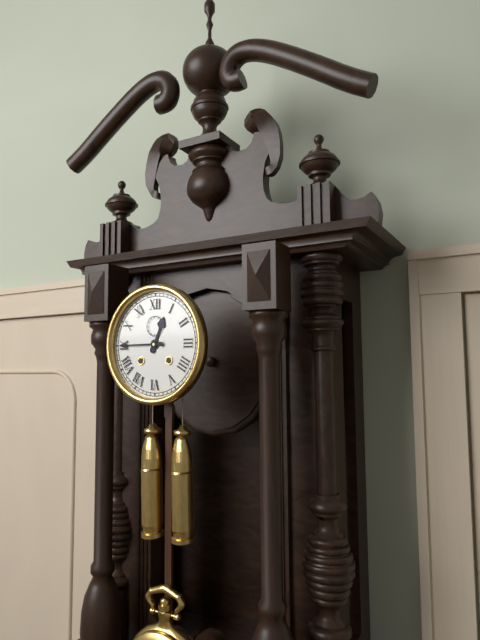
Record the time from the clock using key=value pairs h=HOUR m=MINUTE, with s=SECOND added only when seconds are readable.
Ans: h=12 m=45
